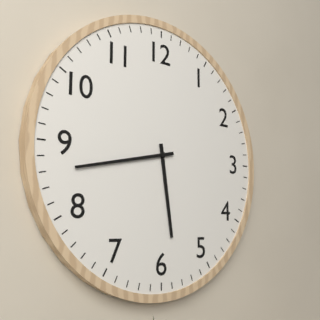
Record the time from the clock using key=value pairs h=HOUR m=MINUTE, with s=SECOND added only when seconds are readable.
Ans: h=5 m=43
